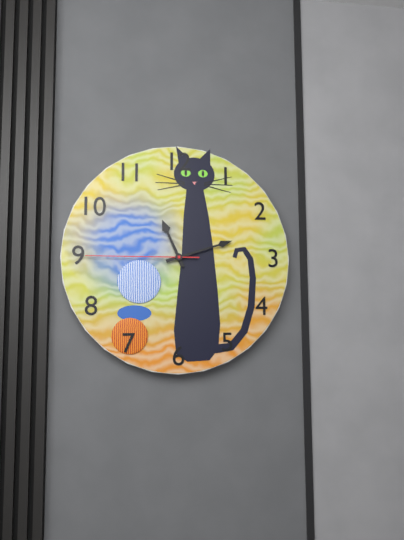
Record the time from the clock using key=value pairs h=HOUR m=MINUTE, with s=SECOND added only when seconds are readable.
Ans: h=11 m=12 s=45
